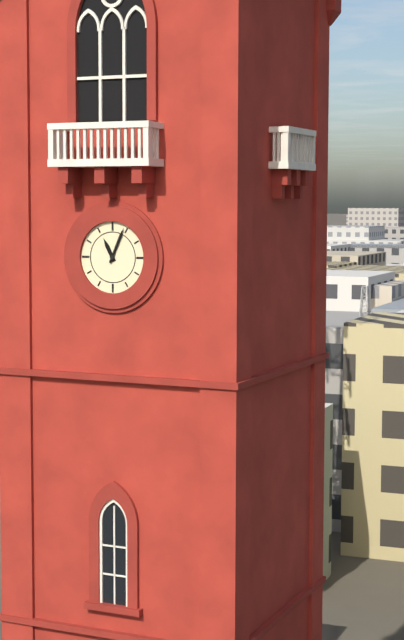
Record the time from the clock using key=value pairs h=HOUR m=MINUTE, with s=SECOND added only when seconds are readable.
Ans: h=11 m=4
